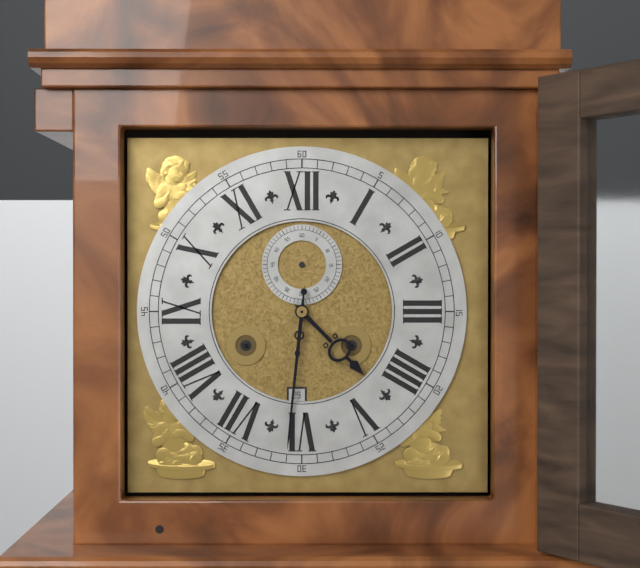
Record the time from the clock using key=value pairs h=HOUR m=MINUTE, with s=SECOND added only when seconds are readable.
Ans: h=4 m=31
